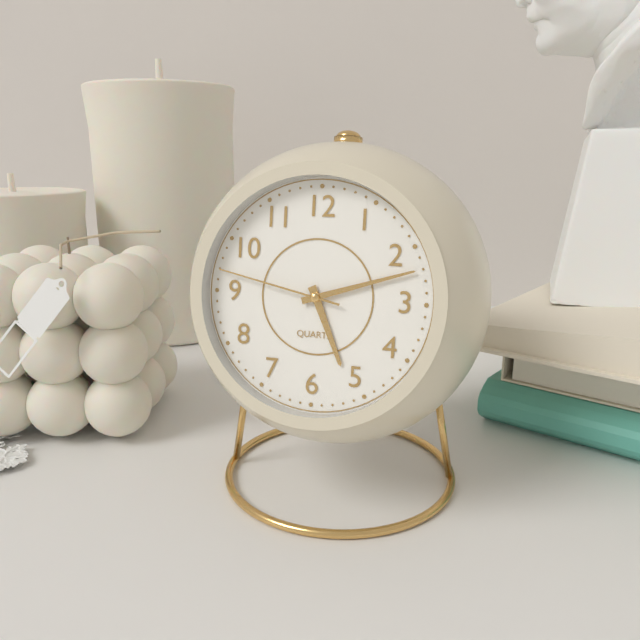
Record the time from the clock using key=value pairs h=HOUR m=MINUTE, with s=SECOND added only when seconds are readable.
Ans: h=5 m=12 s=47
